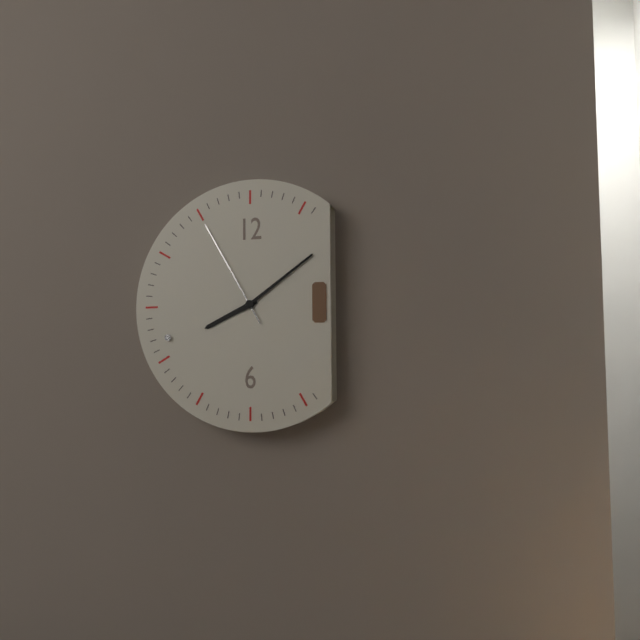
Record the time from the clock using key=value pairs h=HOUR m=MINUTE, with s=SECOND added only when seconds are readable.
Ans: h=8 m=9 s=55
